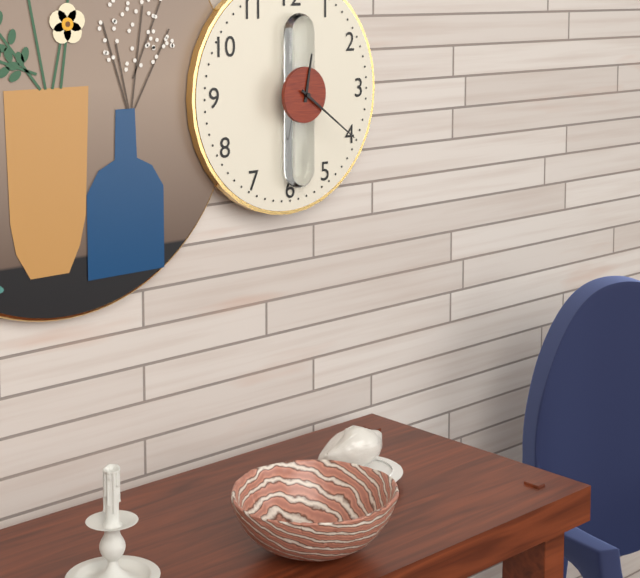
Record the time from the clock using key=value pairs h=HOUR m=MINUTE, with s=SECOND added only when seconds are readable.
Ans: h=12 m=21
